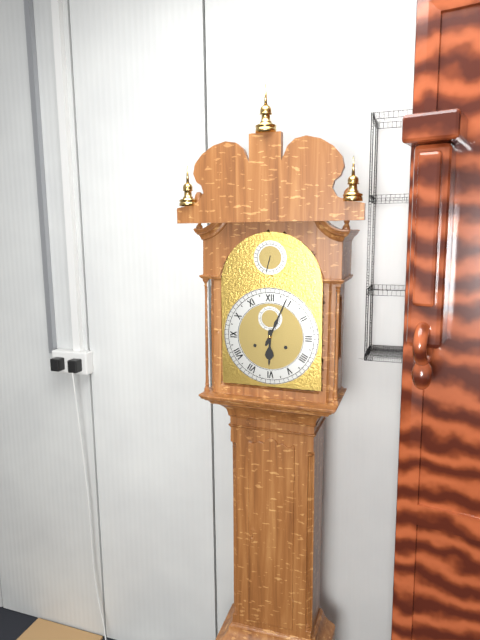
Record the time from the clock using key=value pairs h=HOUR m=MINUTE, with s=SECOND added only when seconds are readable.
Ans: h=6 m=4
